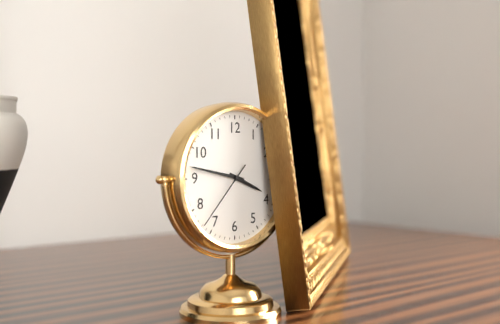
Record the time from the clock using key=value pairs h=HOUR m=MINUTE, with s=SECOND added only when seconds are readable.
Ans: h=3 m=47 s=37
